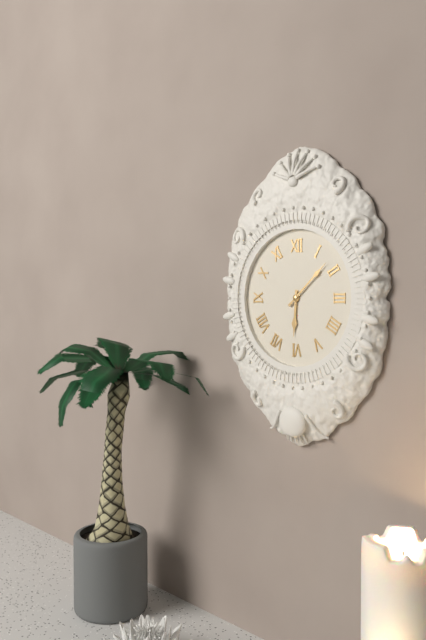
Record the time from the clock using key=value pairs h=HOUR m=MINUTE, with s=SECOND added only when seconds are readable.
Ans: h=6 m=8
